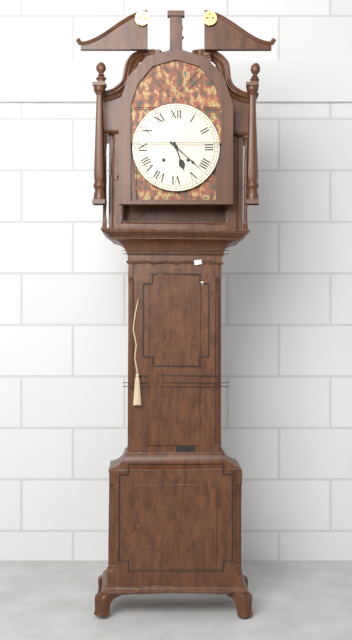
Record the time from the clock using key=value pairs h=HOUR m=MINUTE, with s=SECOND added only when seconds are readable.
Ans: h=5 m=22
